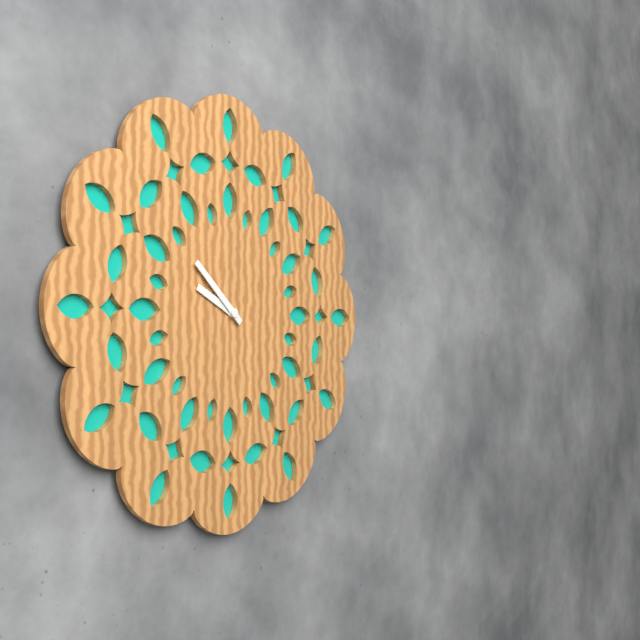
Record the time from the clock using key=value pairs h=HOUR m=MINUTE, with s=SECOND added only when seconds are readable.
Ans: h=9 m=52
